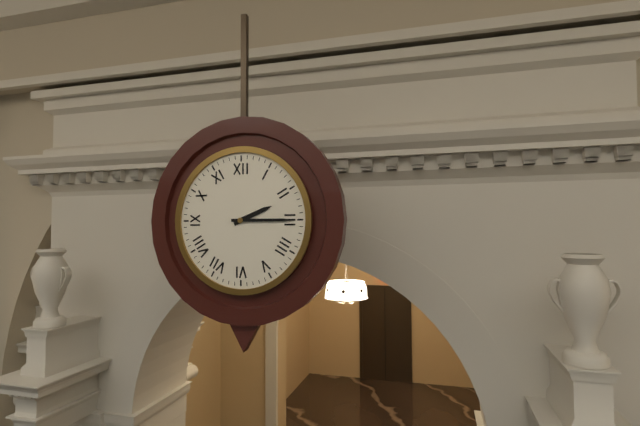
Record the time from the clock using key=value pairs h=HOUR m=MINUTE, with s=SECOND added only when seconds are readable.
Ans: h=2 m=15
